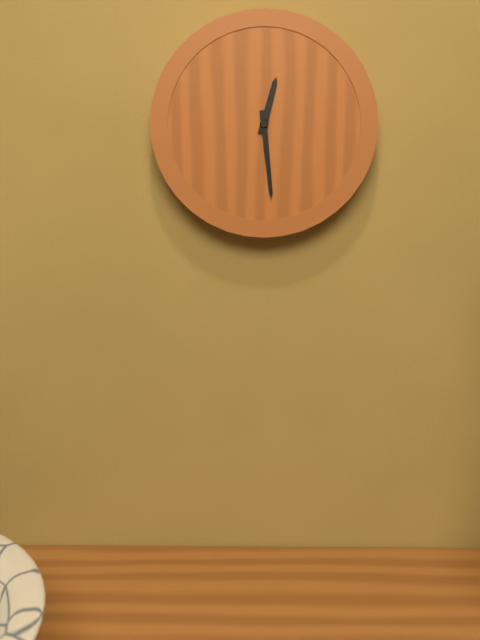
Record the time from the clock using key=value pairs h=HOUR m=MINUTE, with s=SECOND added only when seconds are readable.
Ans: h=12 m=29
